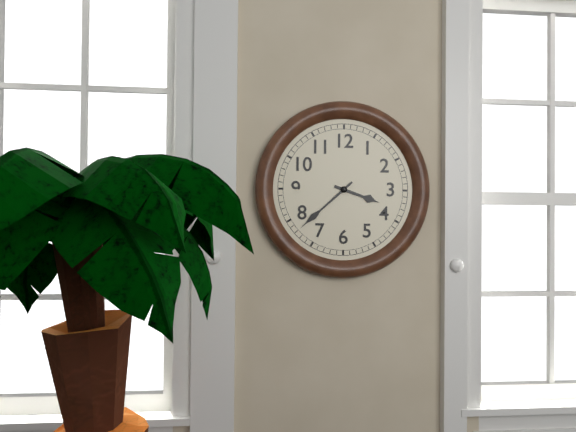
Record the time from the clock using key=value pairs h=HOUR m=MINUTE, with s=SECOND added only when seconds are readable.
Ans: h=3 m=38
